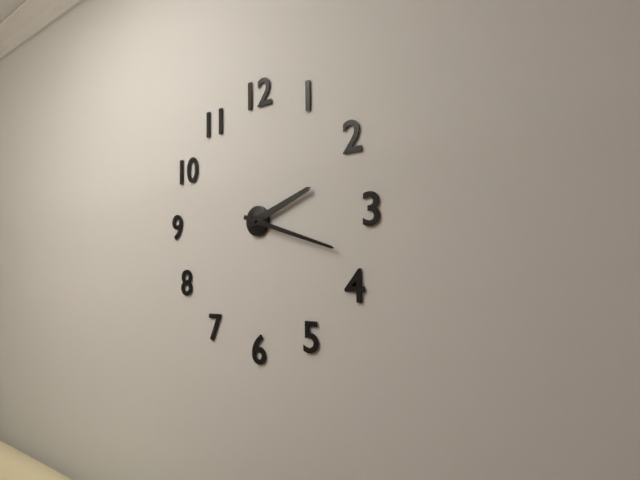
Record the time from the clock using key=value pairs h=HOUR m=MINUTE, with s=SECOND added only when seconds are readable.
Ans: h=2 m=18
